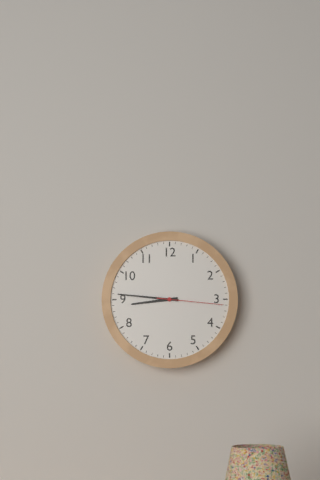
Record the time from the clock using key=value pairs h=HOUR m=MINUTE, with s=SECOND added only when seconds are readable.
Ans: h=8 m=46 s=16
